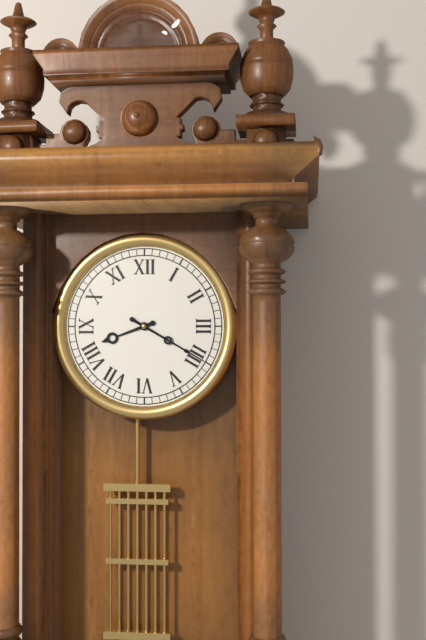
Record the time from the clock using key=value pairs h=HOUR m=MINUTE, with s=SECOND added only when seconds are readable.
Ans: h=8 m=20
